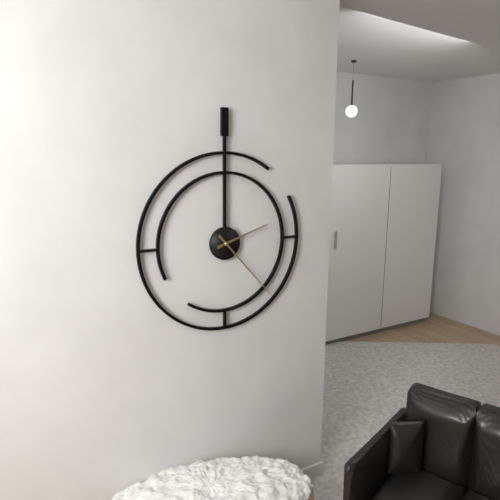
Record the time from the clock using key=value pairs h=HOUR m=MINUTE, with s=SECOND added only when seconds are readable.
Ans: h=2 m=23
